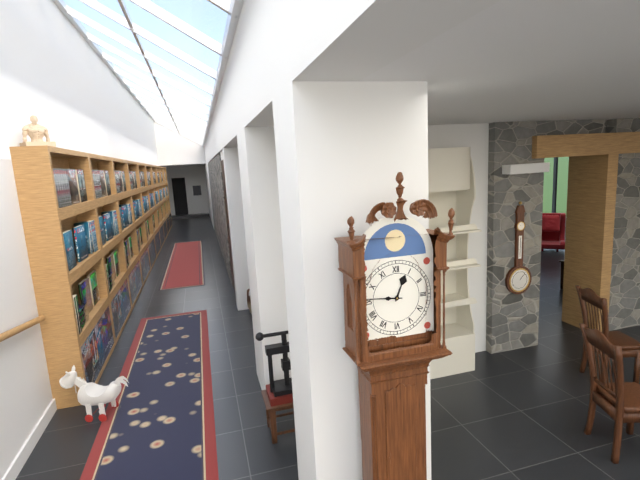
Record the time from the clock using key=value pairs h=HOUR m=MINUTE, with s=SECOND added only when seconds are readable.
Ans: h=12 m=46
